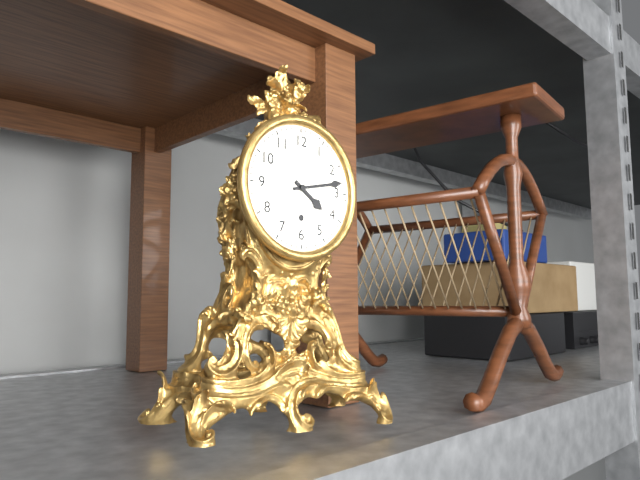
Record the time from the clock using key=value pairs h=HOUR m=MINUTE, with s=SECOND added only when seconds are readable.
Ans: h=4 m=13
